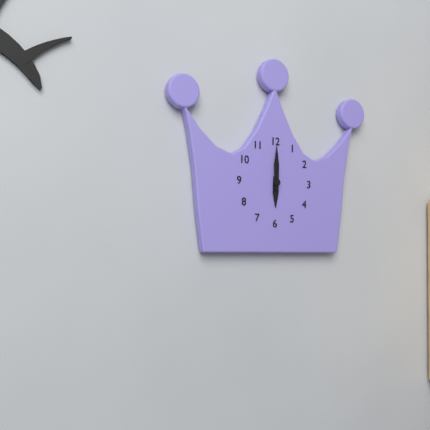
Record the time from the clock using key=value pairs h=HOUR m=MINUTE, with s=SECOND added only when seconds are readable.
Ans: h=6 m=0
